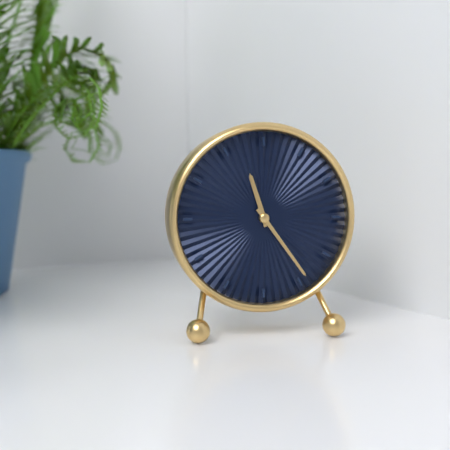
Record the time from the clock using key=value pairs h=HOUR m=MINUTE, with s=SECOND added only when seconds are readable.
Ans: h=11 m=24
